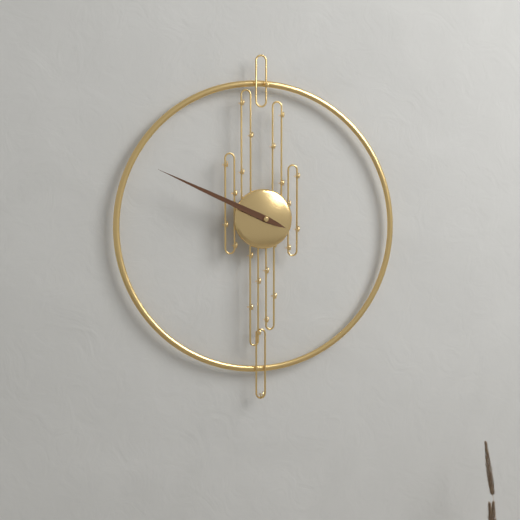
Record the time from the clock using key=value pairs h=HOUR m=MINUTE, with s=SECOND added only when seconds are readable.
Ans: h=9 m=49
